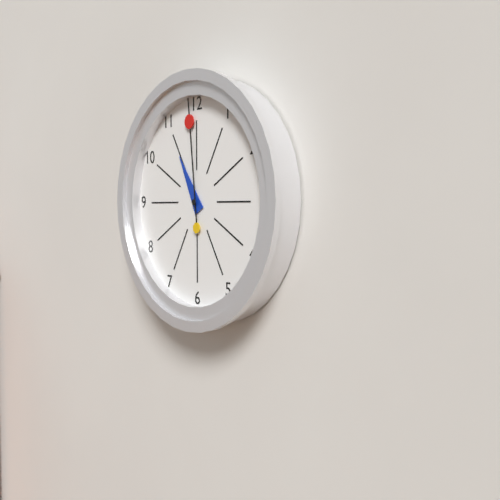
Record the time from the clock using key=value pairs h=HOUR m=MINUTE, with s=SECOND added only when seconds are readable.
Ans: h=10 m=59
